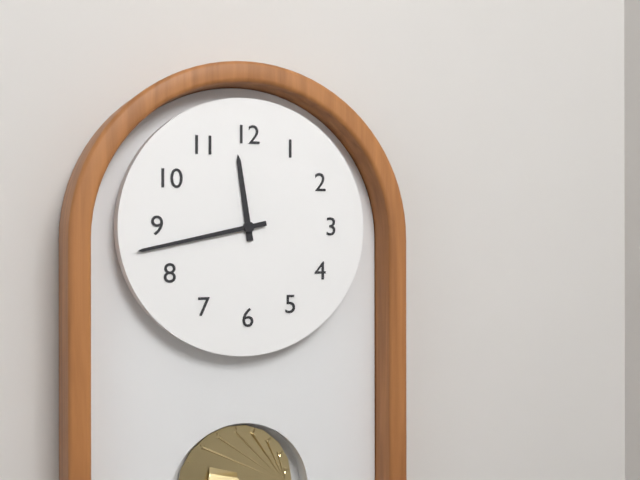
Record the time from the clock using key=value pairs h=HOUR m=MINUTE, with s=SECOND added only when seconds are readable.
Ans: h=11 m=43
